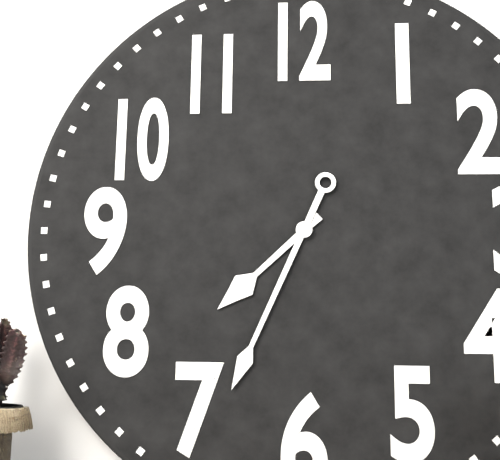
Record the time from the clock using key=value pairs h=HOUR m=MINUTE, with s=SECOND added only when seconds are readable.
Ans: h=7 m=34
